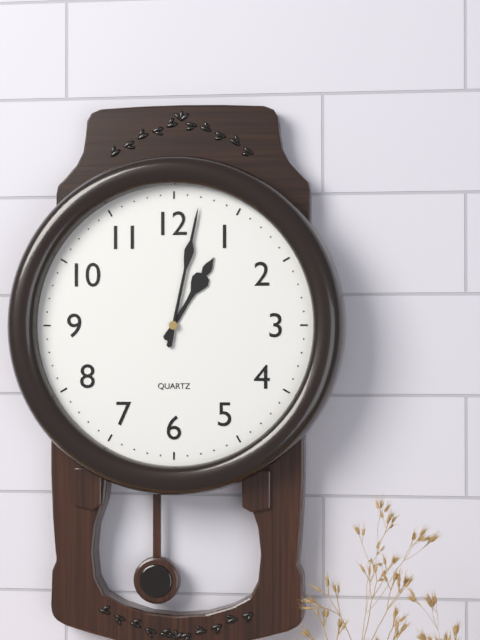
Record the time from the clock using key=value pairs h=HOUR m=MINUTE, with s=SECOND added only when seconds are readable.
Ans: h=1 m=2
